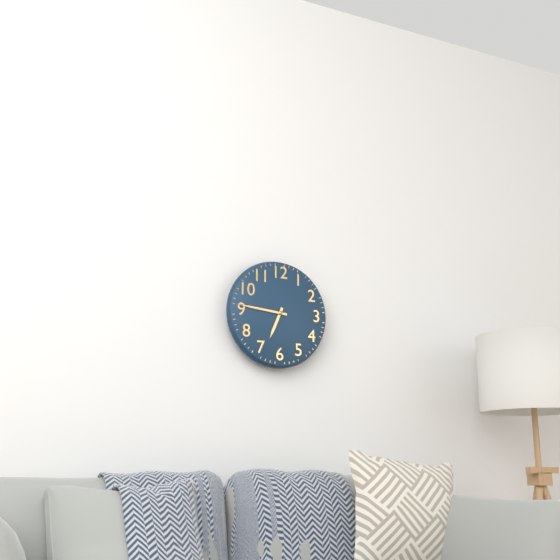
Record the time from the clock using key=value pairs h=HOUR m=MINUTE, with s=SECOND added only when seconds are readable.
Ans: h=6 m=46
